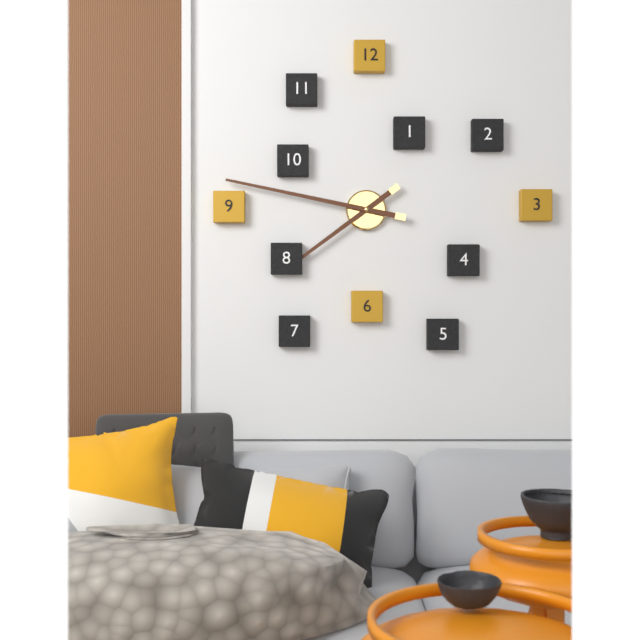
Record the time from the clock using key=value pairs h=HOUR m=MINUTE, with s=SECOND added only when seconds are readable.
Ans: h=7 m=47
